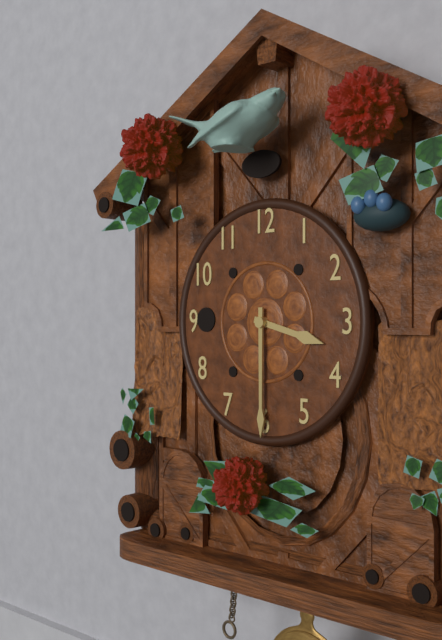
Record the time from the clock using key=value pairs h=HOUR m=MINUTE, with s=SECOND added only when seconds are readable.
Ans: h=3 m=30
